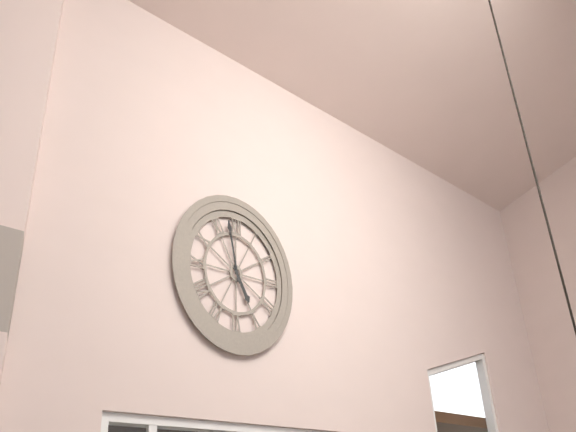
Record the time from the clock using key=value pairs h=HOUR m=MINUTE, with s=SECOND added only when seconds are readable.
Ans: h=4 m=58
